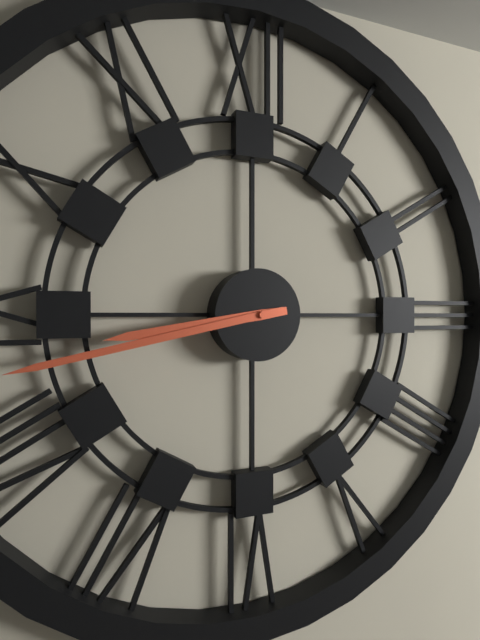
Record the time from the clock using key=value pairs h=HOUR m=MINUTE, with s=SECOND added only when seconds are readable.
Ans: h=8 m=43
